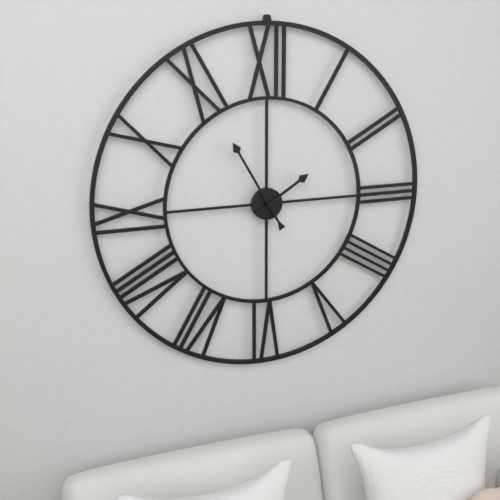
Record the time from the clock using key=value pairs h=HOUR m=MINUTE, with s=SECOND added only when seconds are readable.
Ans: h=1 m=55
